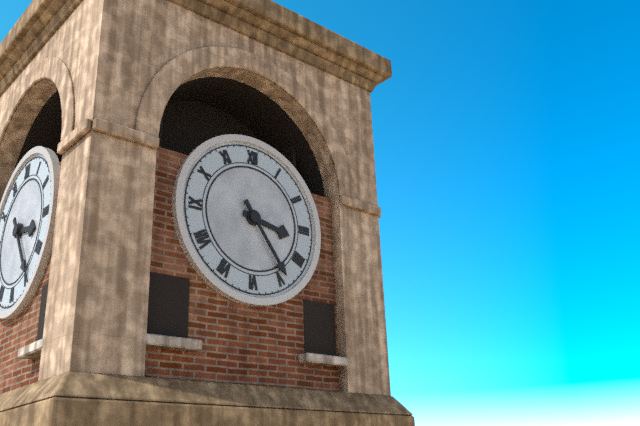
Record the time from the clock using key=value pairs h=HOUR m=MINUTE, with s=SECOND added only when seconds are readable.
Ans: h=3 m=24
